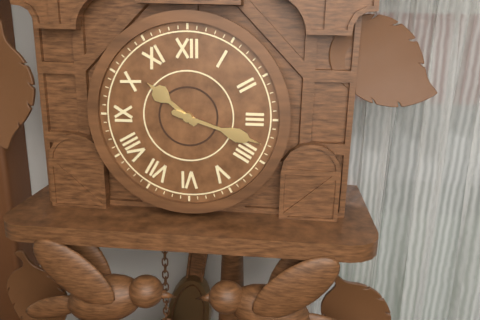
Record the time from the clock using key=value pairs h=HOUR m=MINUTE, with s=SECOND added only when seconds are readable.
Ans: h=10 m=18
